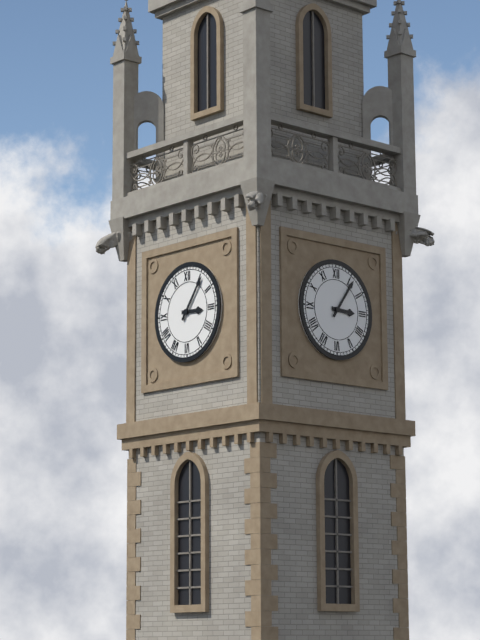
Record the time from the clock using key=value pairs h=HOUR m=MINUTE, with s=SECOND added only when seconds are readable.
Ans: h=3 m=6
